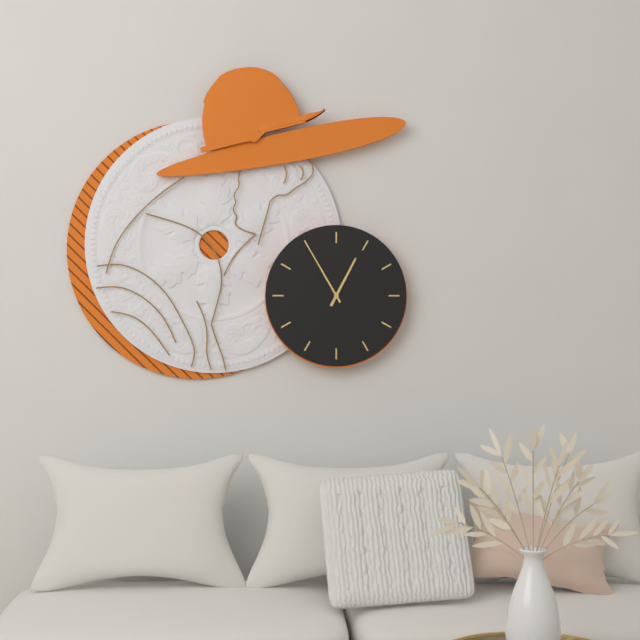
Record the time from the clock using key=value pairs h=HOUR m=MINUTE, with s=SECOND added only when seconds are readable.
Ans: h=12 m=55
